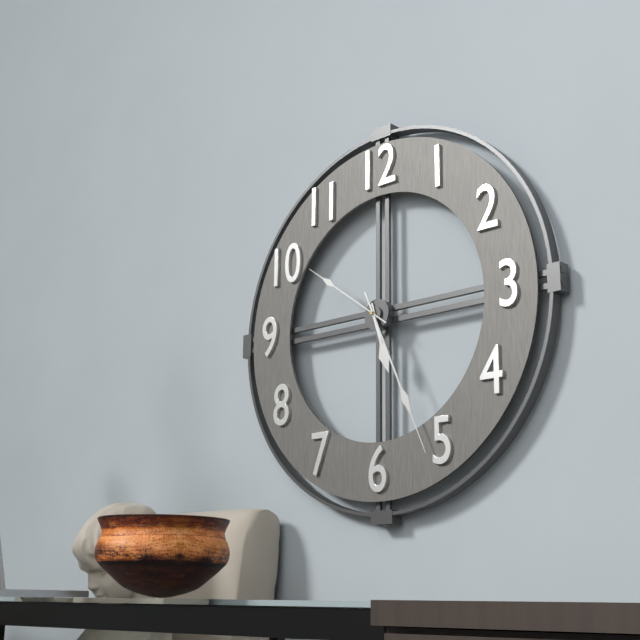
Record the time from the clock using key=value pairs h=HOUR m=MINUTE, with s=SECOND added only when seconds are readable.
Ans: h=5 m=26 s=51
